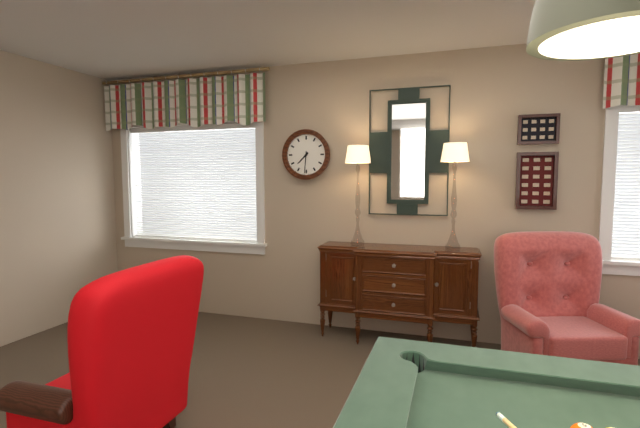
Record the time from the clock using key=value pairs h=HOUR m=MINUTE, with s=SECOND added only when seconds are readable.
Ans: h=7 m=31
